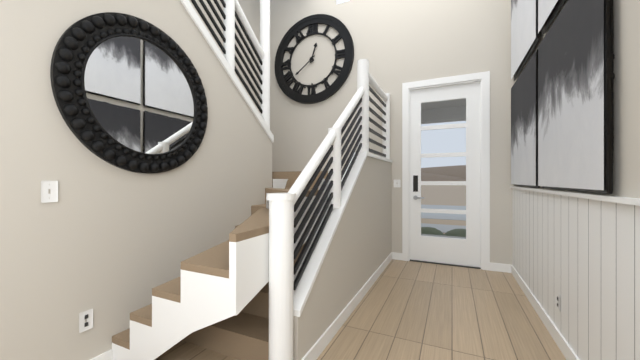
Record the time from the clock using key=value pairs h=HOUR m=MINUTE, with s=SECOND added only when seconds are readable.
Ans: h=12 m=39
